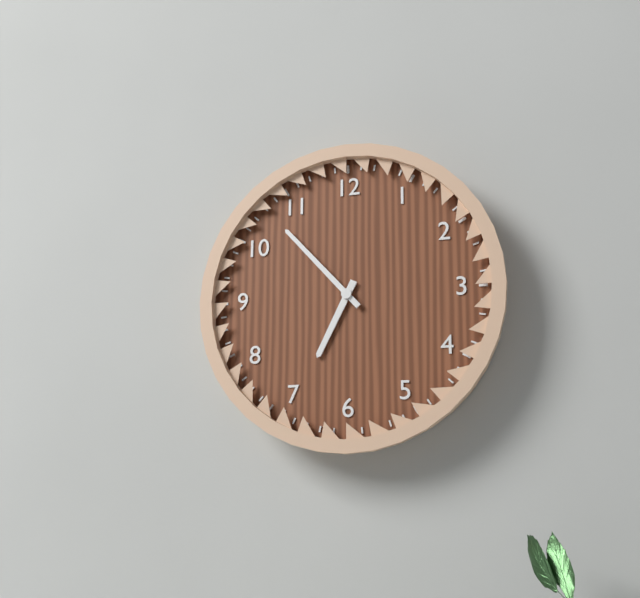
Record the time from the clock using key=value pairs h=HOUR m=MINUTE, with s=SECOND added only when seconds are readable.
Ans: h=6 m=53
